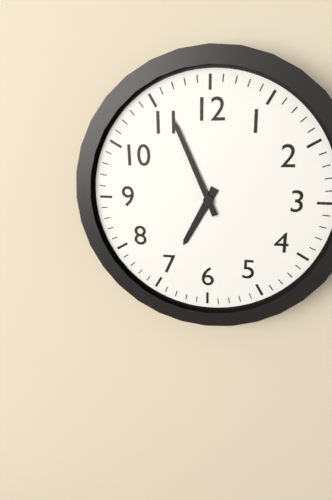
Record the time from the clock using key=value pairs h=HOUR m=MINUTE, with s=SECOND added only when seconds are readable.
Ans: h=6 m=56
